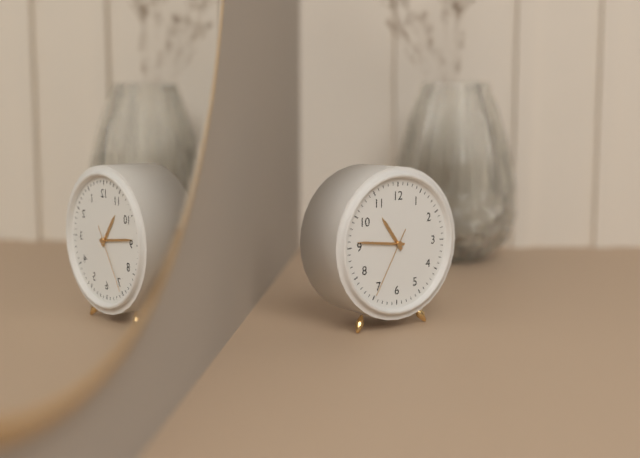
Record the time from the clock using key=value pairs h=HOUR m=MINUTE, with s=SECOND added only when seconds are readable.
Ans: h=10 m=46 s=35
